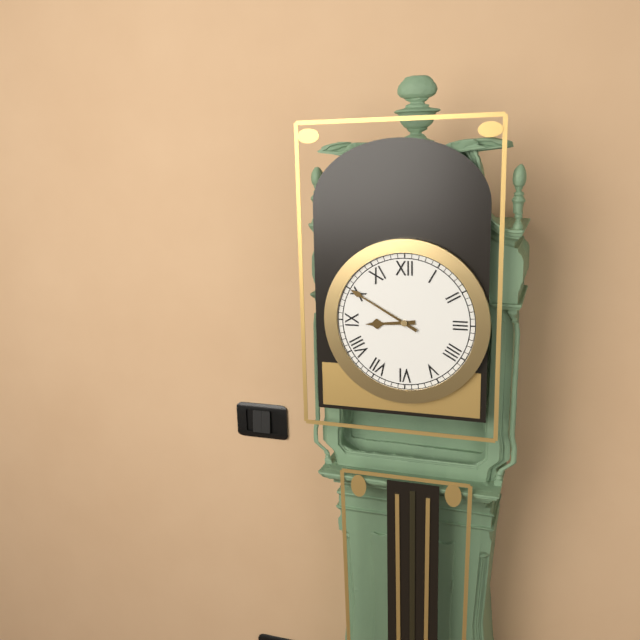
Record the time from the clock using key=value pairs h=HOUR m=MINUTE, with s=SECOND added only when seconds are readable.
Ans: h=8 m=50
